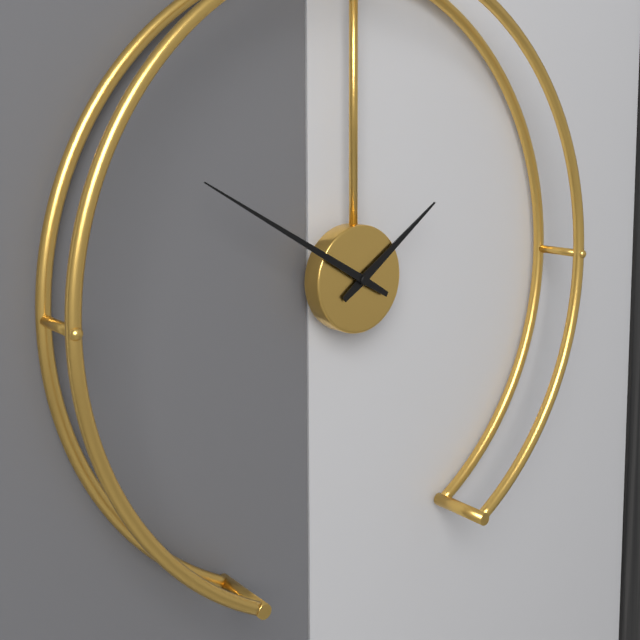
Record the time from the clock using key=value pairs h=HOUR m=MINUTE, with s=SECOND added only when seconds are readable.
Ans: h=1 m=50
